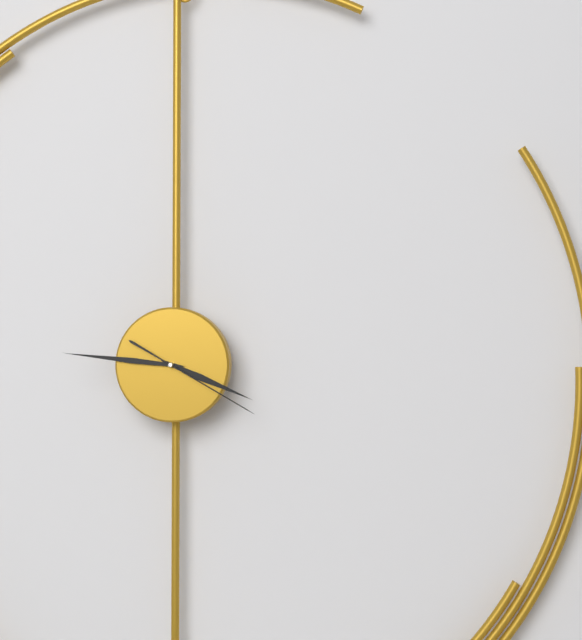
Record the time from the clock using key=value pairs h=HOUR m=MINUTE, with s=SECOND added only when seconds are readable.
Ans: h=3 m=46 s=20
